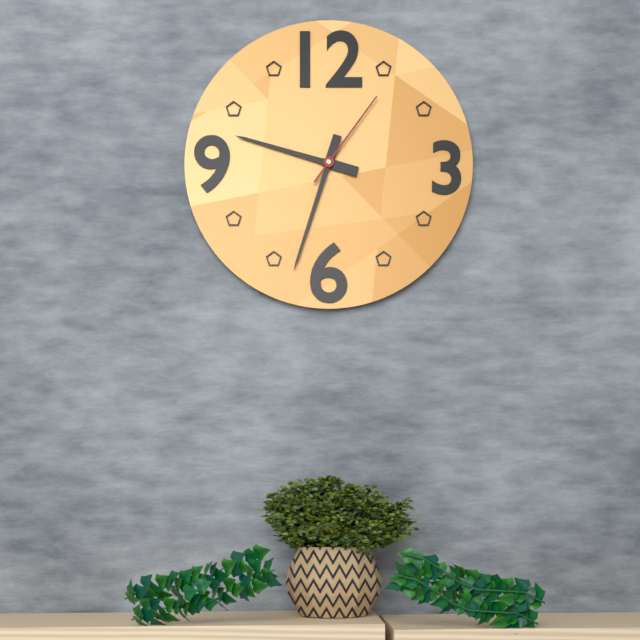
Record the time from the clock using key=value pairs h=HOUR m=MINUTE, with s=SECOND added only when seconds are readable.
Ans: h=9 m=33 s=6
